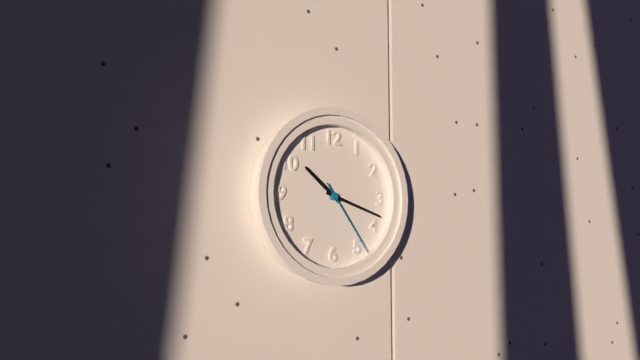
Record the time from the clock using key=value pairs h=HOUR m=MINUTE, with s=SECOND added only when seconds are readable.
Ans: h=10 m=18 s=24
